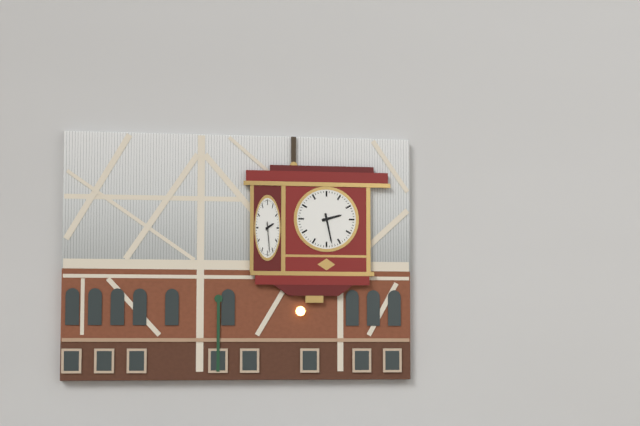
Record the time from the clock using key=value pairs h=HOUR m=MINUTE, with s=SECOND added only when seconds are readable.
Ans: h=2 m=28
